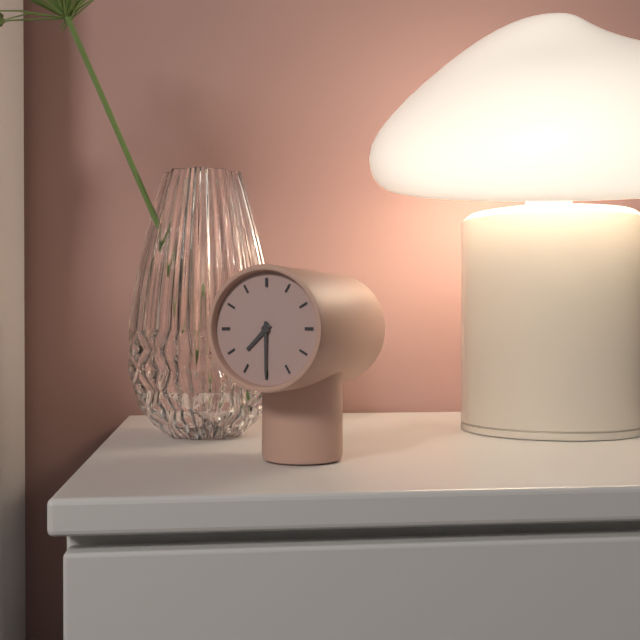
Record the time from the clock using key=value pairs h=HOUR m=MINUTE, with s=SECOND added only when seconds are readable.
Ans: h=7 m=30
